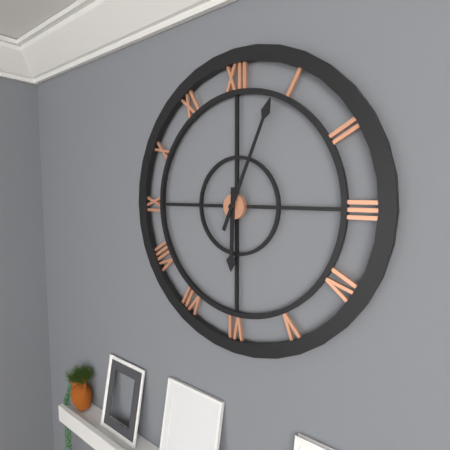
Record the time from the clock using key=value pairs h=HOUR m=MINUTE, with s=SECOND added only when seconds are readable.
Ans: h=6 m=4
